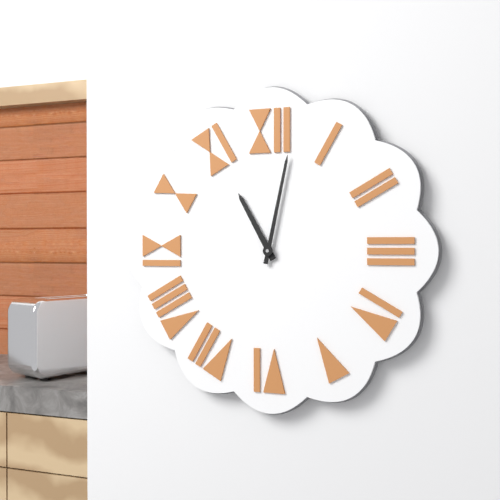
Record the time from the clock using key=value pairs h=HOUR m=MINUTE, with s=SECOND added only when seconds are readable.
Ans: h=11 m=2
